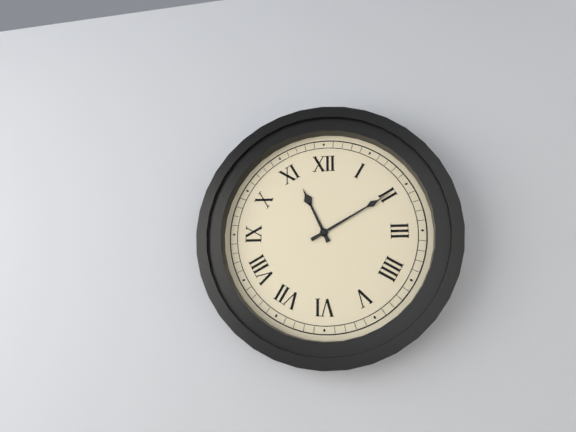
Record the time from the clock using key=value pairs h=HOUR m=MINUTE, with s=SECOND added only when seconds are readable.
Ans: h=11 m=10
